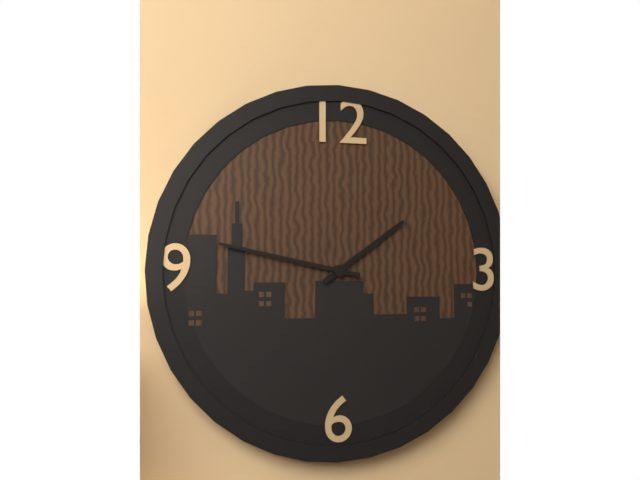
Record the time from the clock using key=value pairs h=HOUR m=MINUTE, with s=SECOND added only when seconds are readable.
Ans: h=1 m=47
